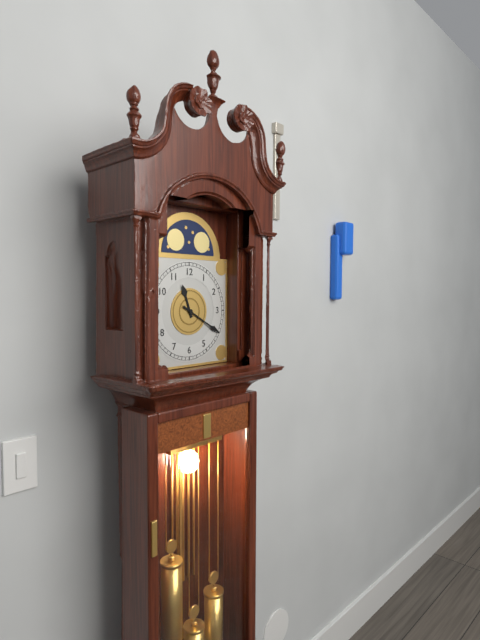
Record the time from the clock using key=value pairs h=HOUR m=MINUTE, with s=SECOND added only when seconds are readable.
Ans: h=11 m=20
